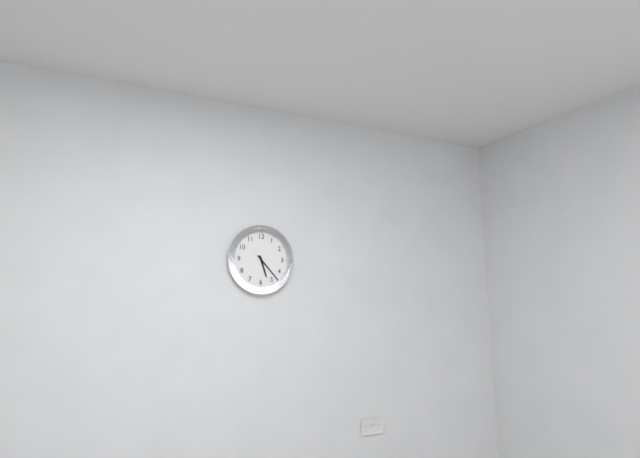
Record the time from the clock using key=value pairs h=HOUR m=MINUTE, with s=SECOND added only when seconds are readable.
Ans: h=5 m=23
